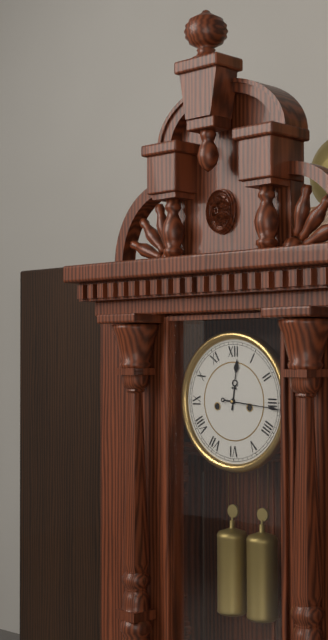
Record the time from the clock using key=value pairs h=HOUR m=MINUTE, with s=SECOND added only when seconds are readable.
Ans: h=12 m=16
